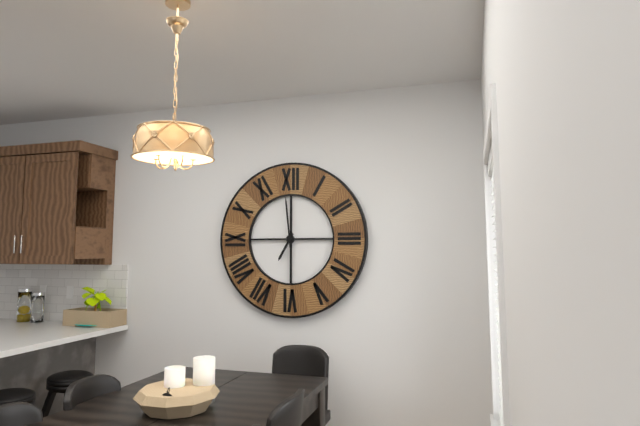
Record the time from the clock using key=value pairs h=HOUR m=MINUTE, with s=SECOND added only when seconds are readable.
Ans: h=6 m=59
